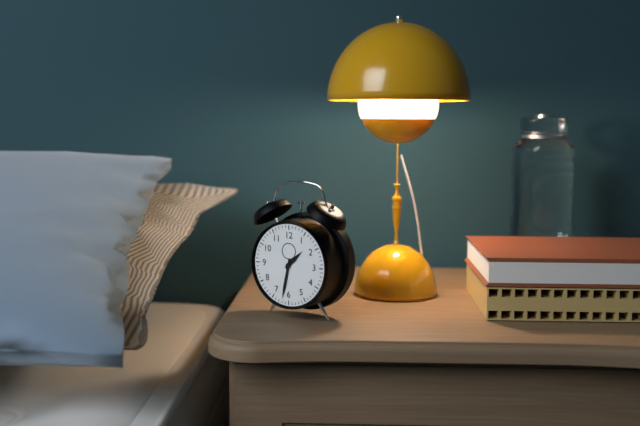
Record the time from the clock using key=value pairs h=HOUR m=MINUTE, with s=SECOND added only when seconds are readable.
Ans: h=1 m=32
